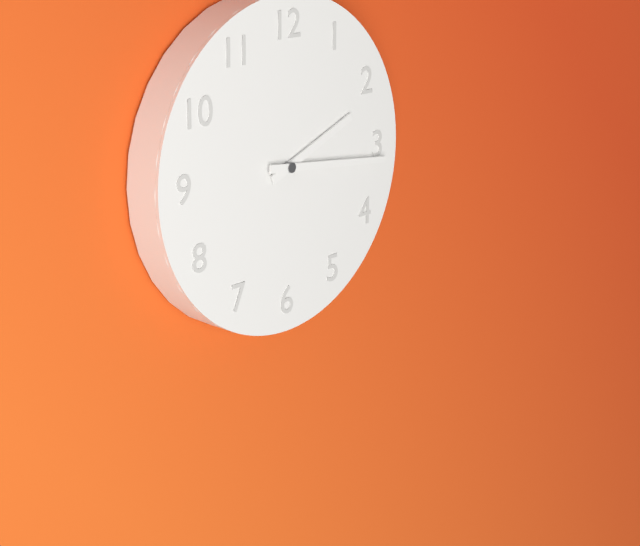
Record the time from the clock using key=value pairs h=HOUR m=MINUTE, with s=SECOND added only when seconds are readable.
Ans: h=2 m=16
